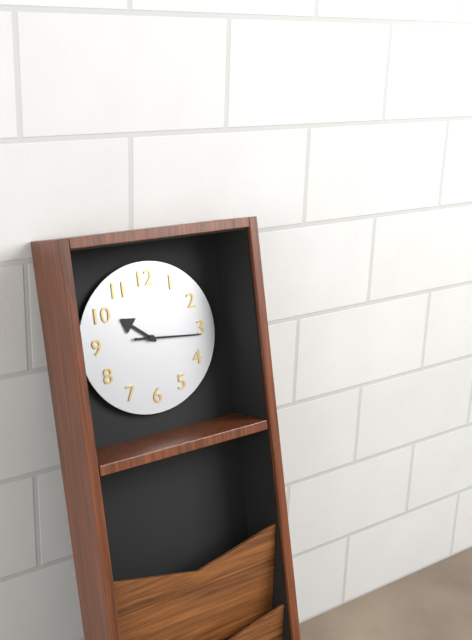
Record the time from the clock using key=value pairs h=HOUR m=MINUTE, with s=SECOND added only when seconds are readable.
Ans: h=10 m=16
